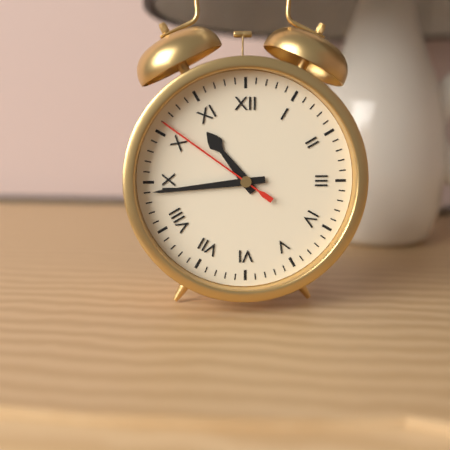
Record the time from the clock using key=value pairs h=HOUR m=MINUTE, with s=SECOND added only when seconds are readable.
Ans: h=10 m=44 s=51
